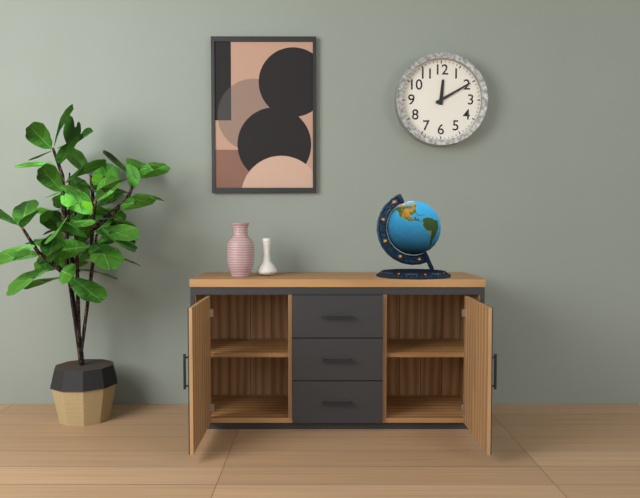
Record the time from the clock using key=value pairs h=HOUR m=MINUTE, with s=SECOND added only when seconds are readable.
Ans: h=12 m=10
